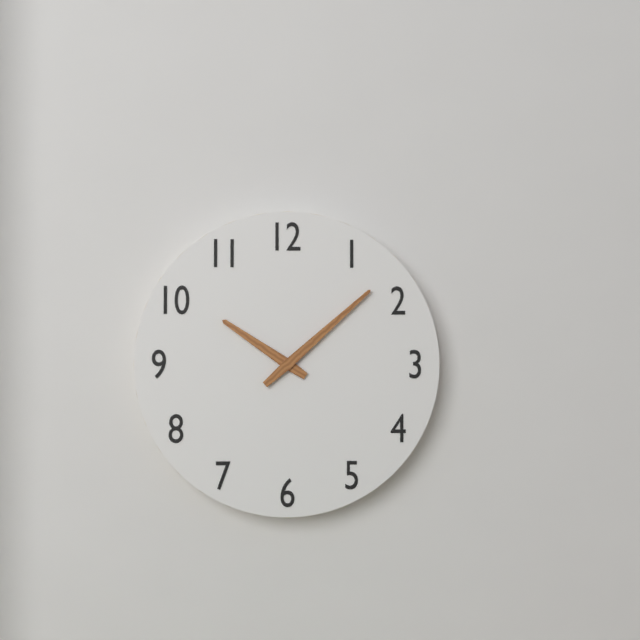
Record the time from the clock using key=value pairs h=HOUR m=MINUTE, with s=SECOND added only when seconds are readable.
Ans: h=10 m=8
